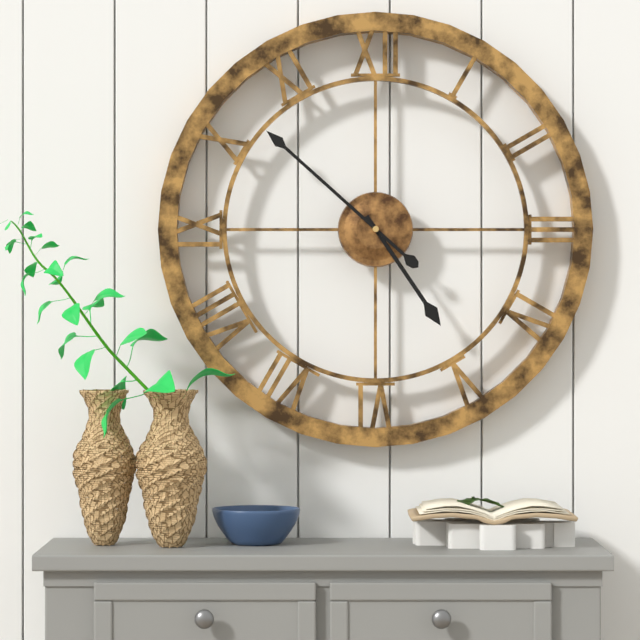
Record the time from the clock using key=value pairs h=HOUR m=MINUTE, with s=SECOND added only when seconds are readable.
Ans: h=4 m=52
